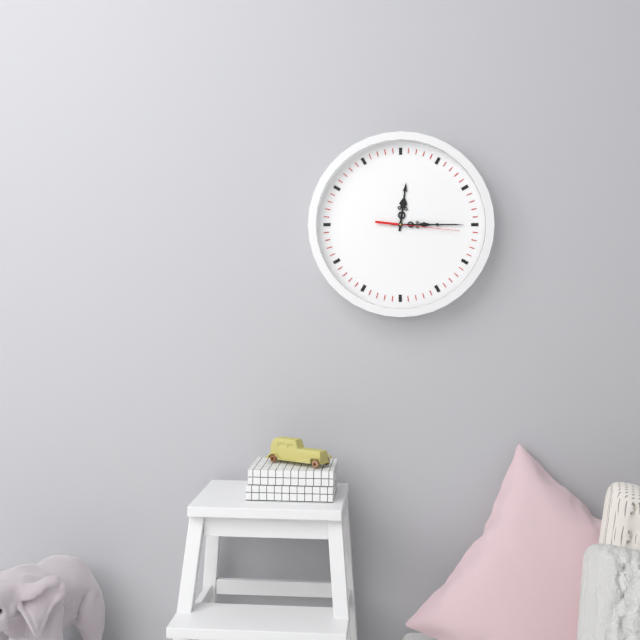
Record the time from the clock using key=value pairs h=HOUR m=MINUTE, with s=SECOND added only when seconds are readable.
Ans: h=12 m=15 s=16
